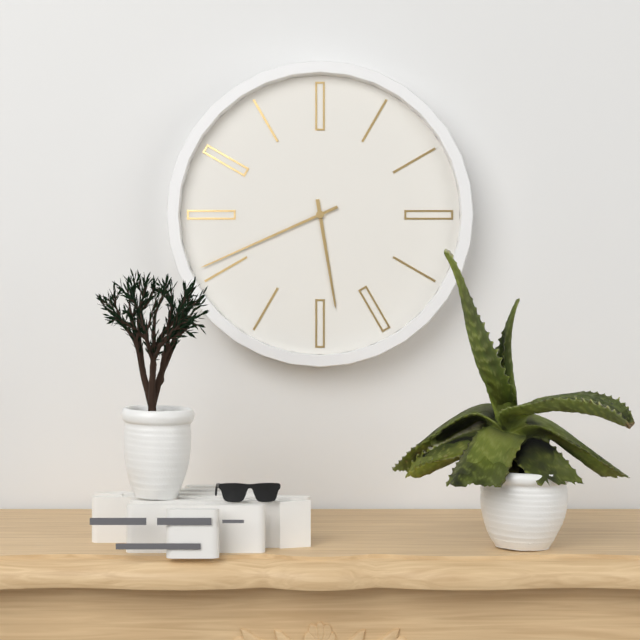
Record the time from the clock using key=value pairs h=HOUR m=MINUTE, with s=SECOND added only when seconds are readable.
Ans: h=5 m=41
